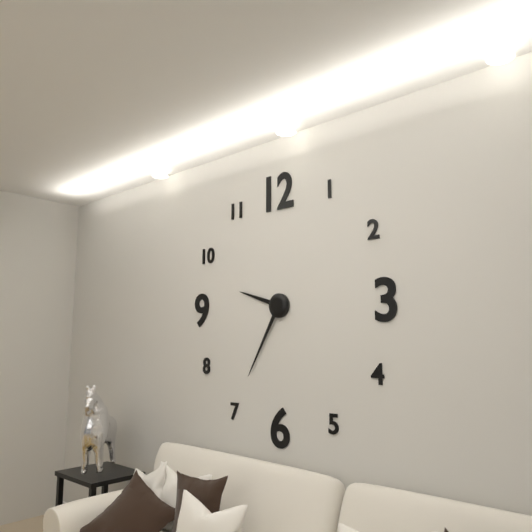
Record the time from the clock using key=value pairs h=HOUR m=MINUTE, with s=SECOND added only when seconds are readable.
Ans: h=9 m=35
